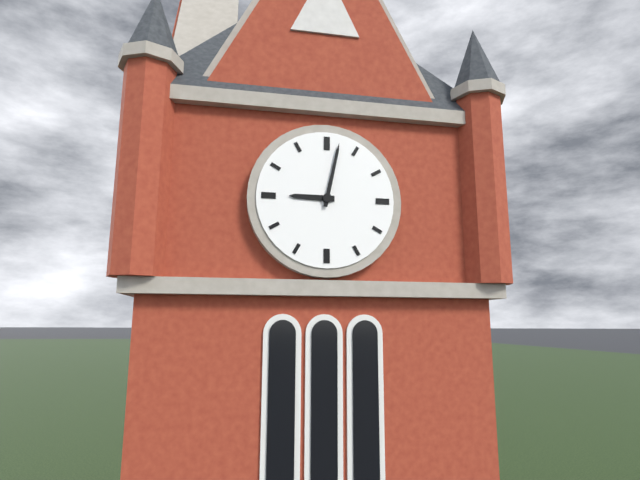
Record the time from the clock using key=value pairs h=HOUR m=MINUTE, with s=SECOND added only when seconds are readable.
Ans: h=9 m=2
